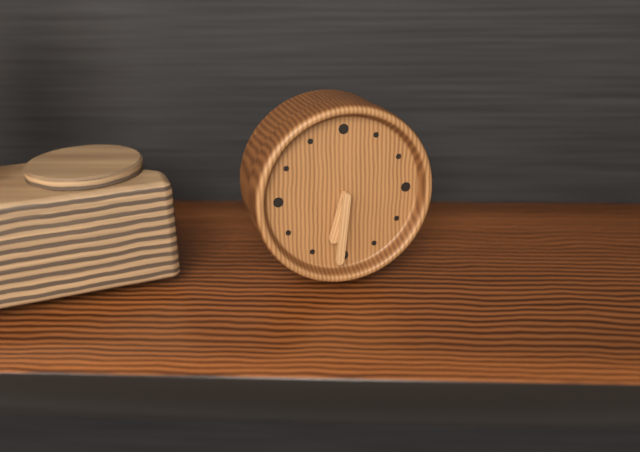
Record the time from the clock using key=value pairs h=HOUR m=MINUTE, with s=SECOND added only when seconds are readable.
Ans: h=6 m=31
